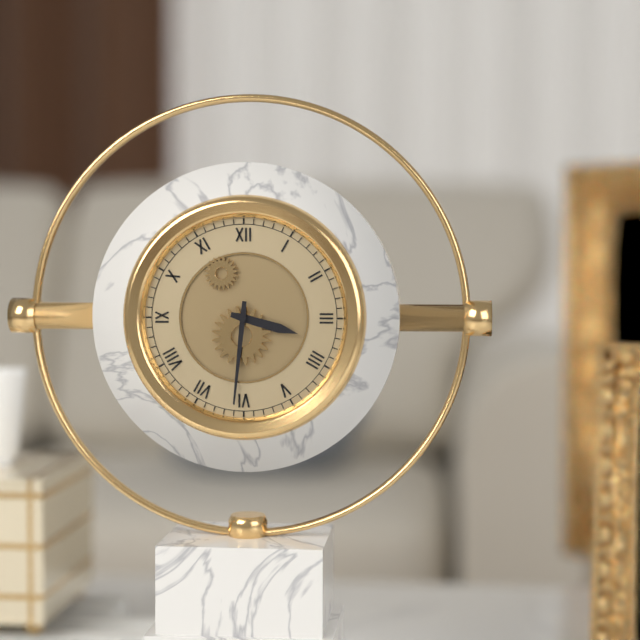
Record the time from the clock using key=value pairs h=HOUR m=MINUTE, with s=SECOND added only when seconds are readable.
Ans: h=3 m=31
